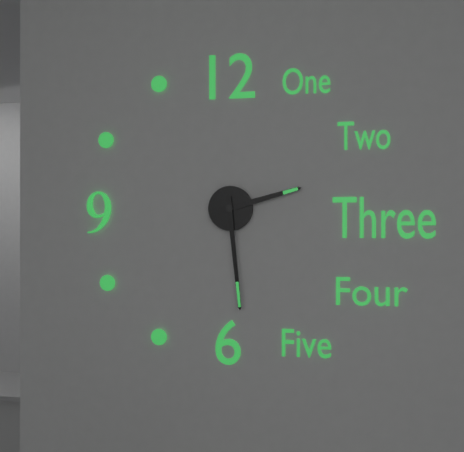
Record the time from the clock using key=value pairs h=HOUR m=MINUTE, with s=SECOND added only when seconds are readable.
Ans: h=2 m=29
